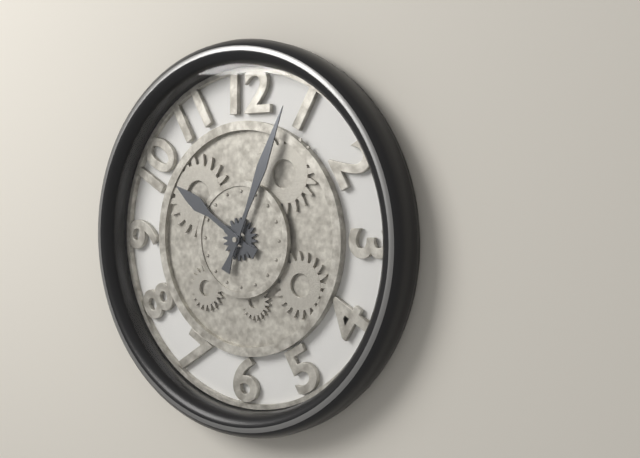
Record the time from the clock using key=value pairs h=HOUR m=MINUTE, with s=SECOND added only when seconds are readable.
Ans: h=10 m=4
